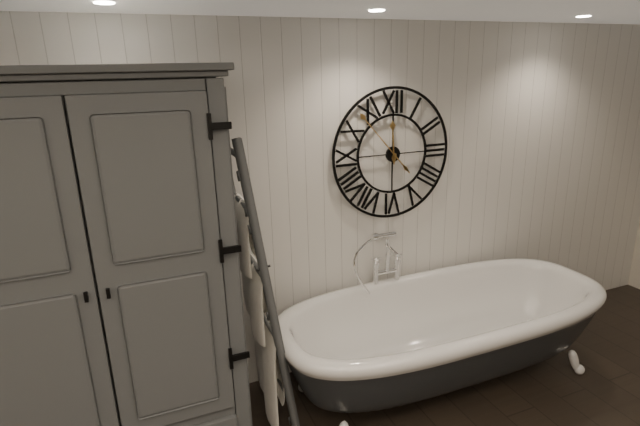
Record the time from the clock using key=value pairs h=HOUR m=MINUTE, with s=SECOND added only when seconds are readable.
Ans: h=11 m=53
